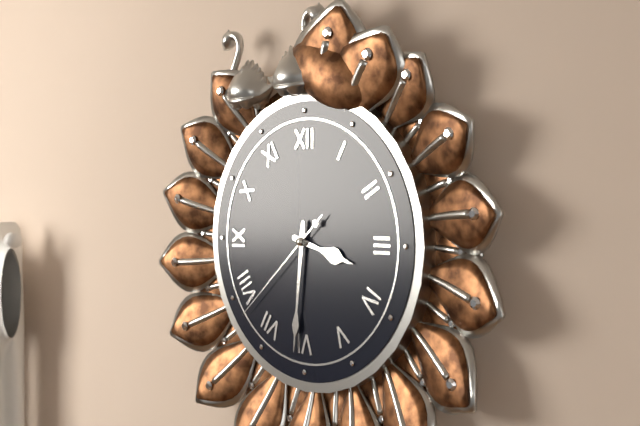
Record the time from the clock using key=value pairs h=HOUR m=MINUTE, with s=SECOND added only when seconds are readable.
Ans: h=3 m=31 s=38
